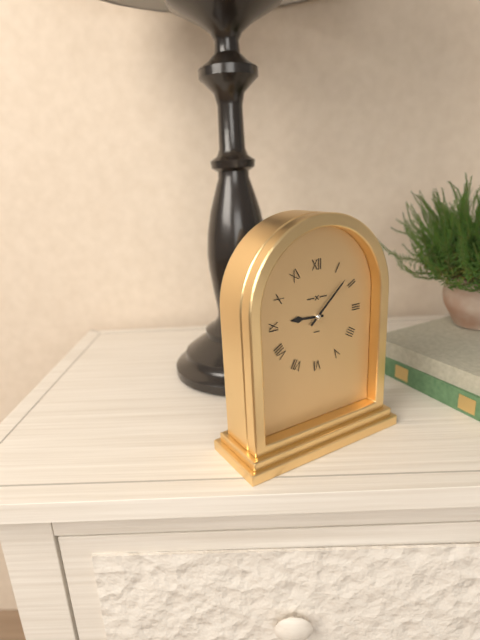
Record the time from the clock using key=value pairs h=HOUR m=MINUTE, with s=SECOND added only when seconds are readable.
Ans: h=9 m=8
